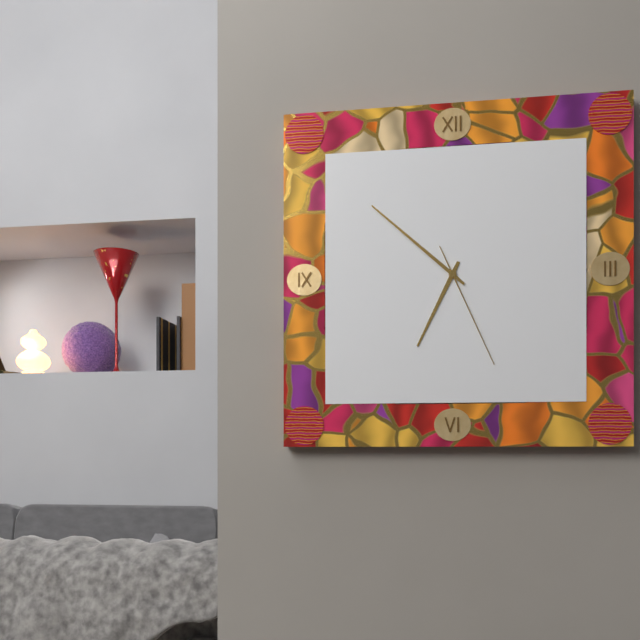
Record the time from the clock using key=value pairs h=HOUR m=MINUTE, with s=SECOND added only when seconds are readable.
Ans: h=6 m=52 s=26
